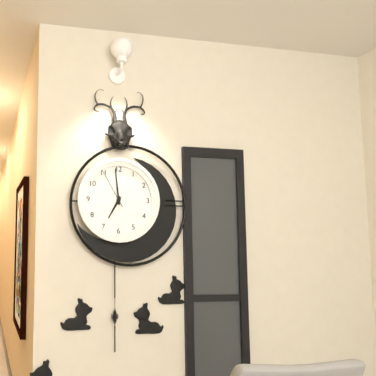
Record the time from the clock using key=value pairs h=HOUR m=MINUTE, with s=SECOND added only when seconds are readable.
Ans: h=6 m=59
